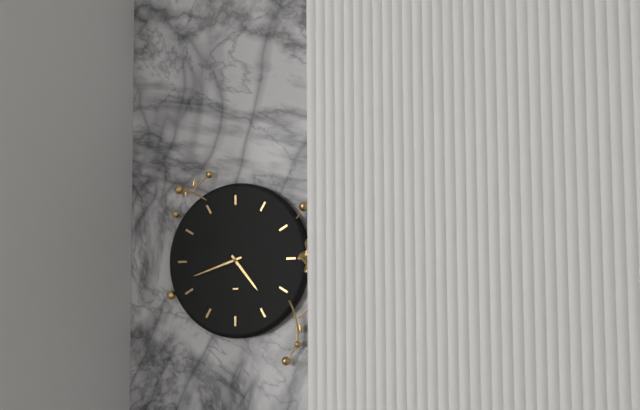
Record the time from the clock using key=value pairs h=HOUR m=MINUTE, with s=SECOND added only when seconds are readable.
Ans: h=4 m=42
